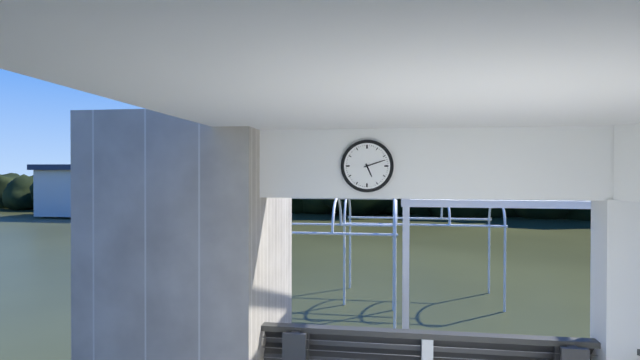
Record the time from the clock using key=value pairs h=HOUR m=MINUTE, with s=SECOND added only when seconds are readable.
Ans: h=5 m=12
